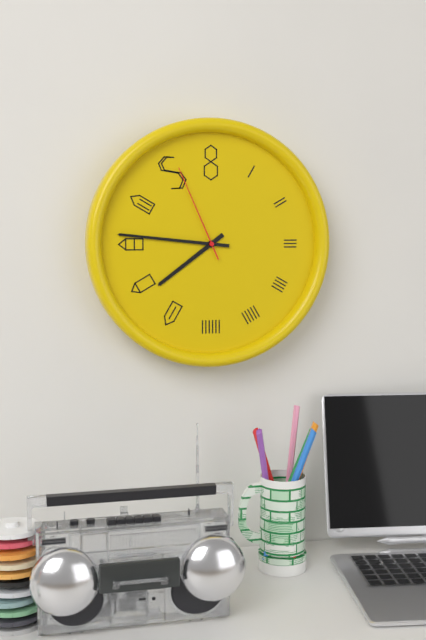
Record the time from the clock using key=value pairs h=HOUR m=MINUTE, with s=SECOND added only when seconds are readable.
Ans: h=7 m=46 s=56
